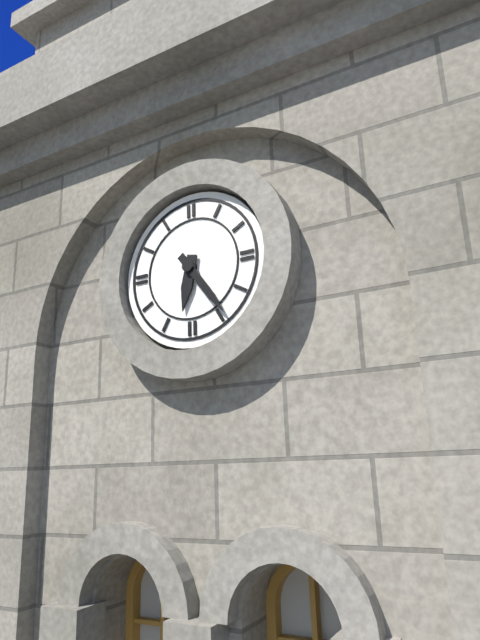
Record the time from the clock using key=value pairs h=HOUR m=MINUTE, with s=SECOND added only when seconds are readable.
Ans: h=6 m=24
